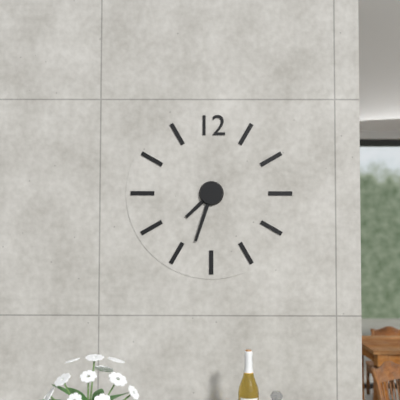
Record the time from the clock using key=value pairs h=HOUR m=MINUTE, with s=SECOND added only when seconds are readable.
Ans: h=7 m=33
